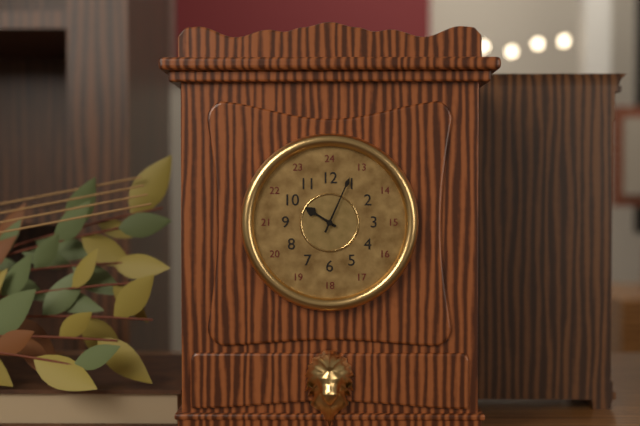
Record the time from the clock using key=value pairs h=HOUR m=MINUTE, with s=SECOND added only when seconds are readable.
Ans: h=10 m=4
